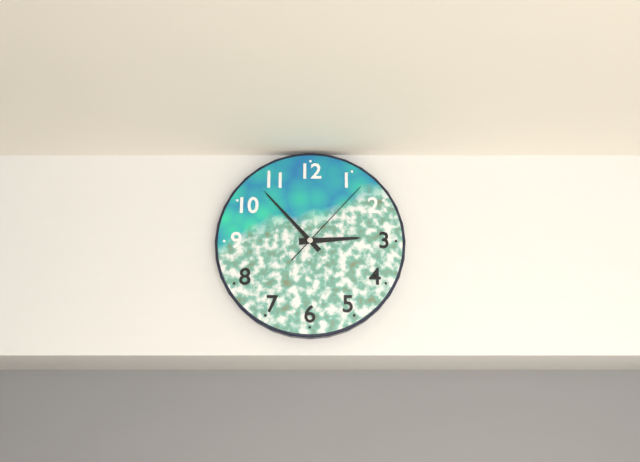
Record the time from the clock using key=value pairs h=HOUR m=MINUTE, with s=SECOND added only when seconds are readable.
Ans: h=2 m=53 s=7
